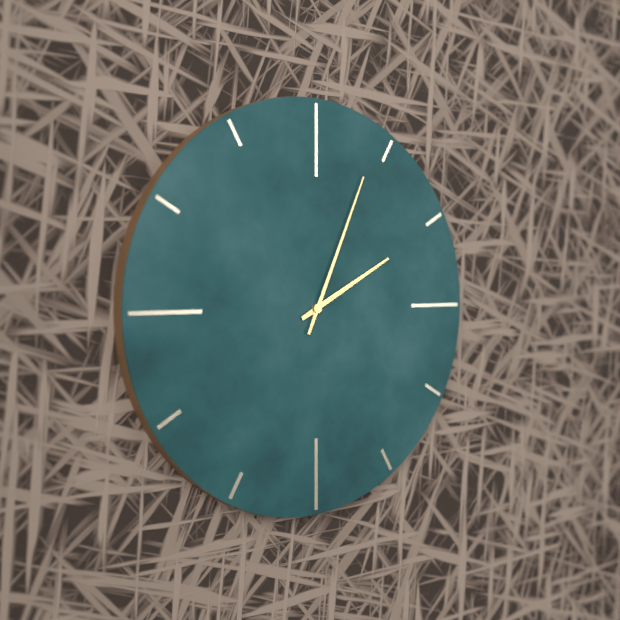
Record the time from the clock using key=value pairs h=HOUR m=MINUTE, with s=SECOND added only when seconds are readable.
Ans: h=2 m=4
